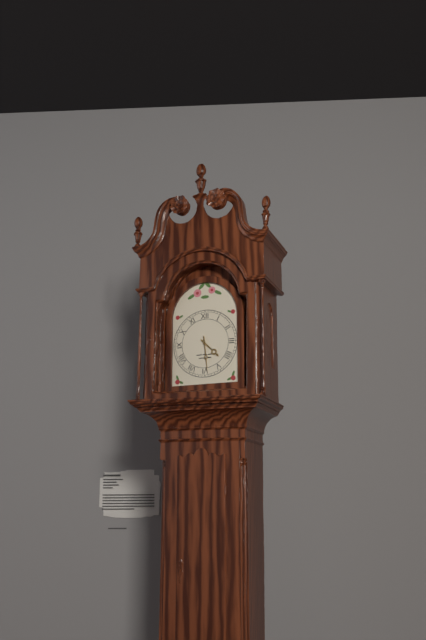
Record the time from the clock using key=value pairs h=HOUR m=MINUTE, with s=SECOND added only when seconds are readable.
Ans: h=4 m=29
